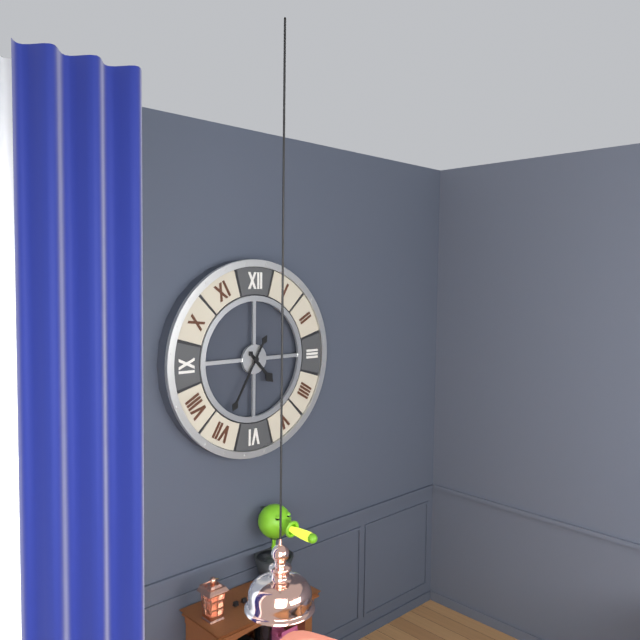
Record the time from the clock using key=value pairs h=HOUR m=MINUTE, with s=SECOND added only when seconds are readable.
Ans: h=4 m=35
